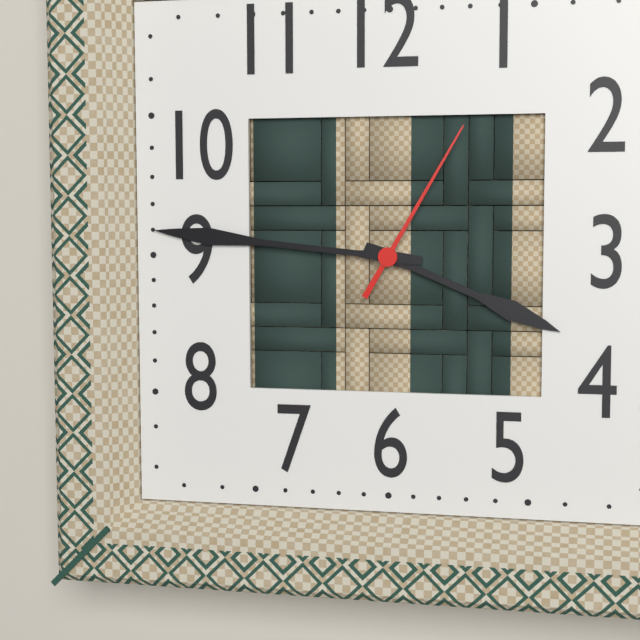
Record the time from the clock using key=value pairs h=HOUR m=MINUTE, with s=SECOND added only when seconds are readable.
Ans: h=3 m=46 s=5
